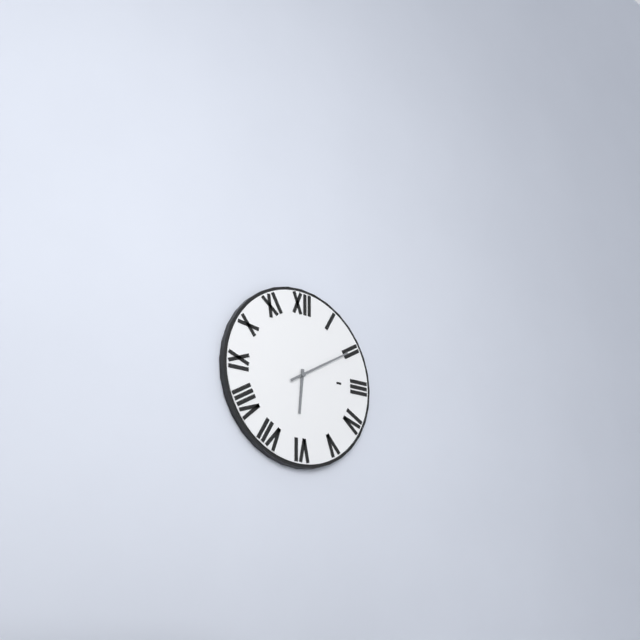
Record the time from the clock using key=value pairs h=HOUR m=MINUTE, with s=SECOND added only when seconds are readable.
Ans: h=6 m=10
